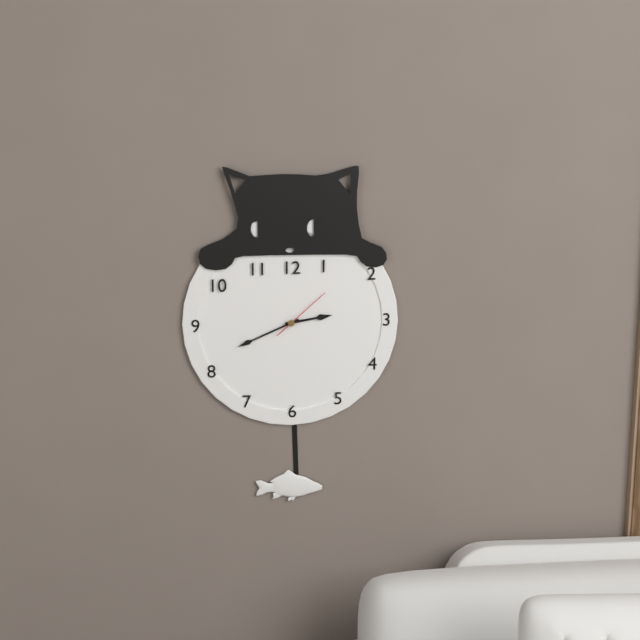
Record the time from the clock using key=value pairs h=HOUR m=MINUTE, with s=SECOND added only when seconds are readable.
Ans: h=2 m=41 s=8
